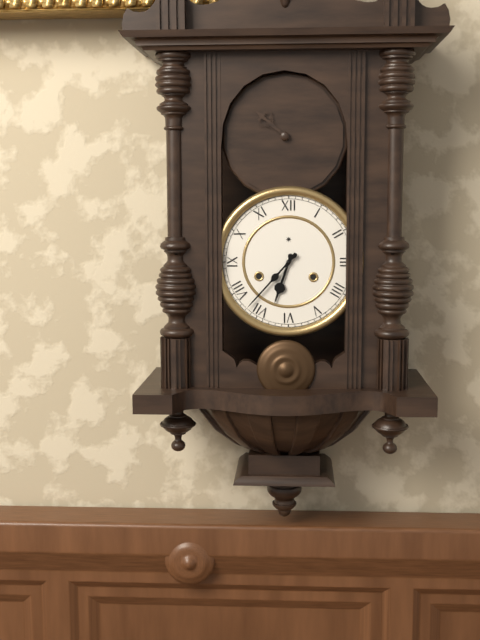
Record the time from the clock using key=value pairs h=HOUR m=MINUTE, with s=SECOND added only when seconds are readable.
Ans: h=6 m=37
